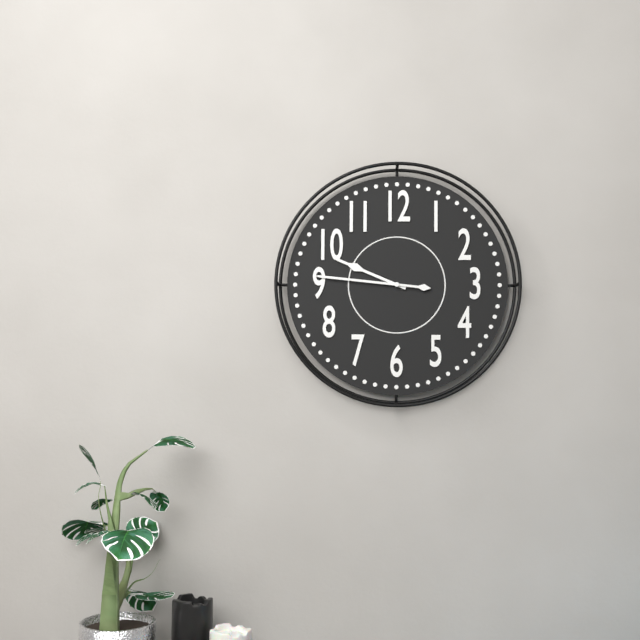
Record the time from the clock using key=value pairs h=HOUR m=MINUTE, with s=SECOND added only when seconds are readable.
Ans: h=9 m=46
